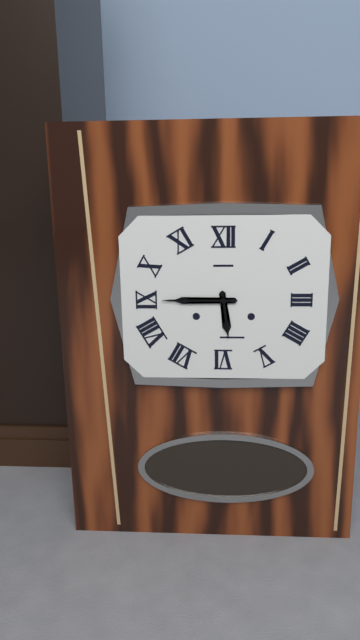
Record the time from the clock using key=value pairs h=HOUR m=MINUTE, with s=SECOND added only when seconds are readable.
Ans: h=5 m=45
